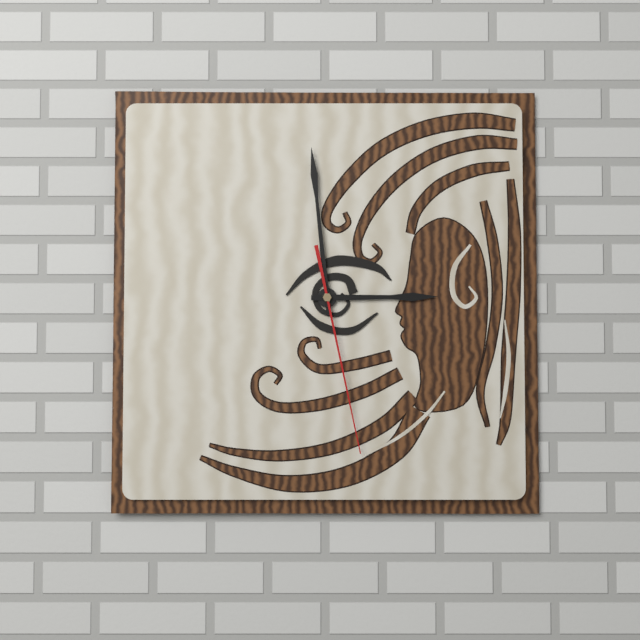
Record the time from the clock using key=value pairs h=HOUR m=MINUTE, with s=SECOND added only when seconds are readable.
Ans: h=2 m=59 s=28
